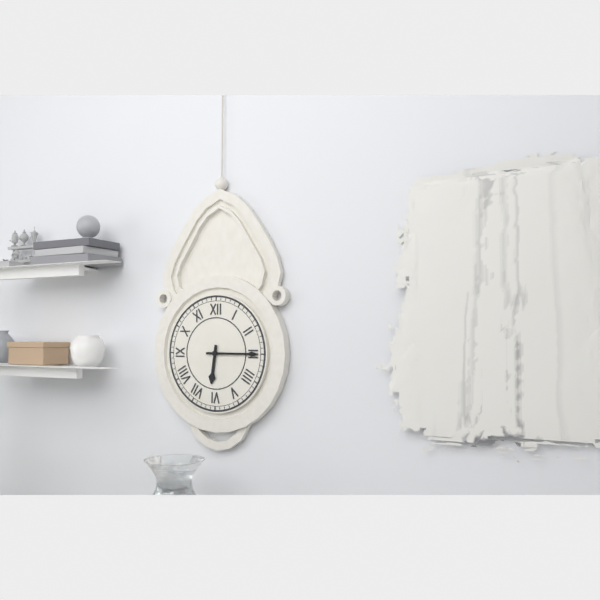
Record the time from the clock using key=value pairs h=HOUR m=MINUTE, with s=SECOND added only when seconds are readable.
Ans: h=6 m=15
